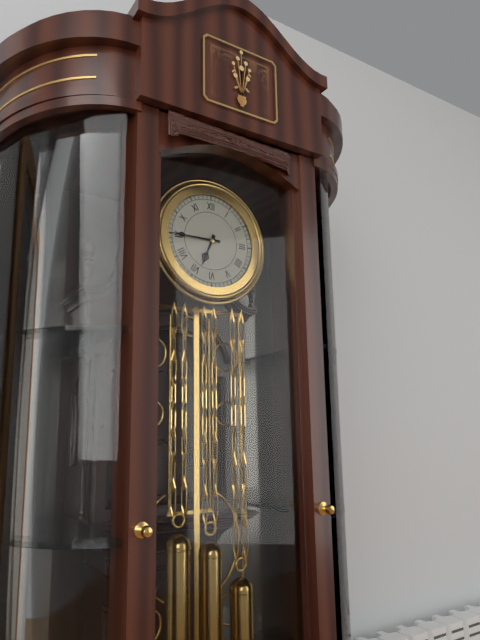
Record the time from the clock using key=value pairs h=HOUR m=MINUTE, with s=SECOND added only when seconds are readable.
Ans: h=6 m=45
